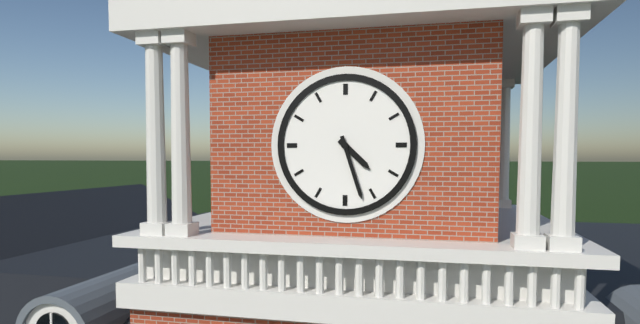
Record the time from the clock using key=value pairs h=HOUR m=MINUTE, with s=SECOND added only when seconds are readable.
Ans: h=4 m=27
